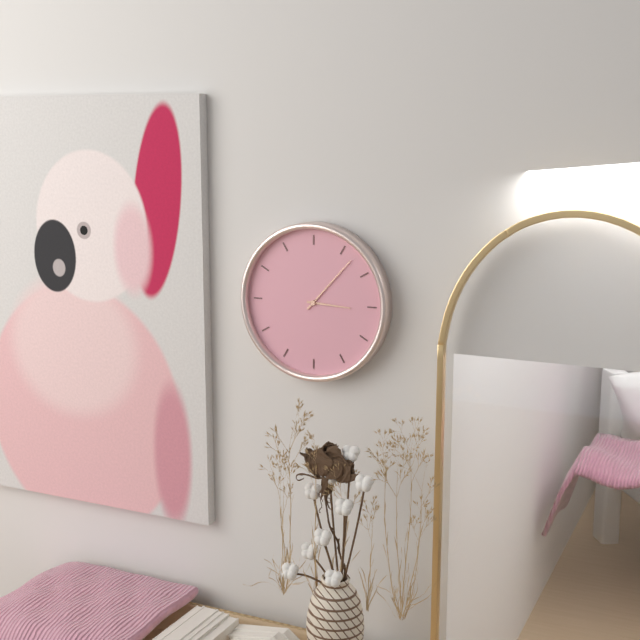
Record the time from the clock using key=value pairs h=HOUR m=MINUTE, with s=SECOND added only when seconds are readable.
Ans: h=3 m=7
